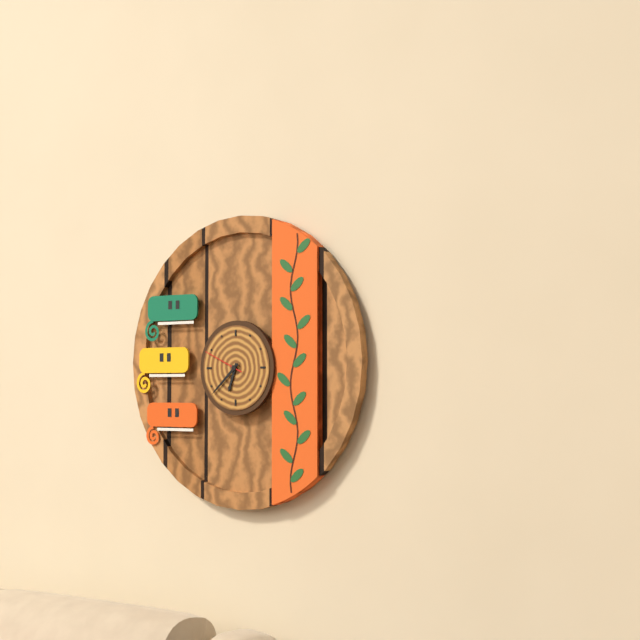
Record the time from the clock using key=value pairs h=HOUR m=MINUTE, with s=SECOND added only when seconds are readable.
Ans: h=6 m=38
